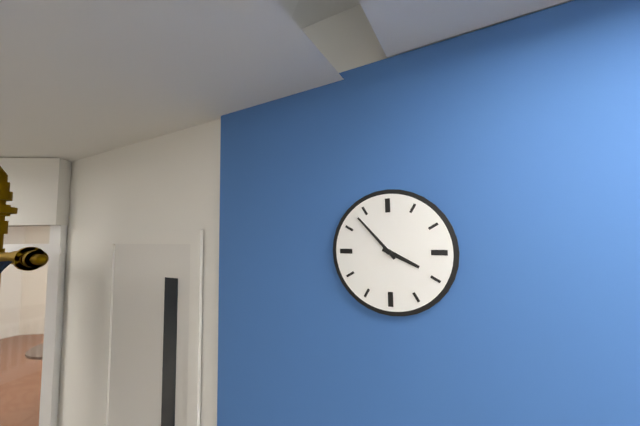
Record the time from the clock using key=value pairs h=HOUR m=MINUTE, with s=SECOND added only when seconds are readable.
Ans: h=3 m=53
